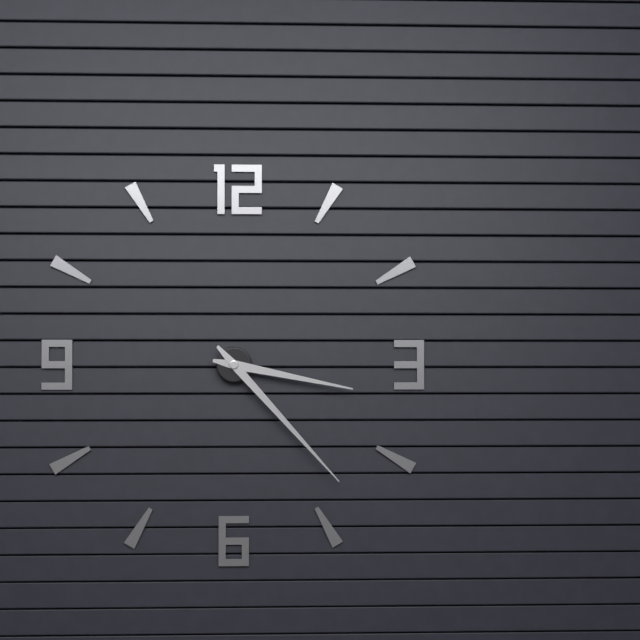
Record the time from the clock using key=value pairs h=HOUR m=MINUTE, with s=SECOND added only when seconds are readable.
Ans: h=3 m=23
